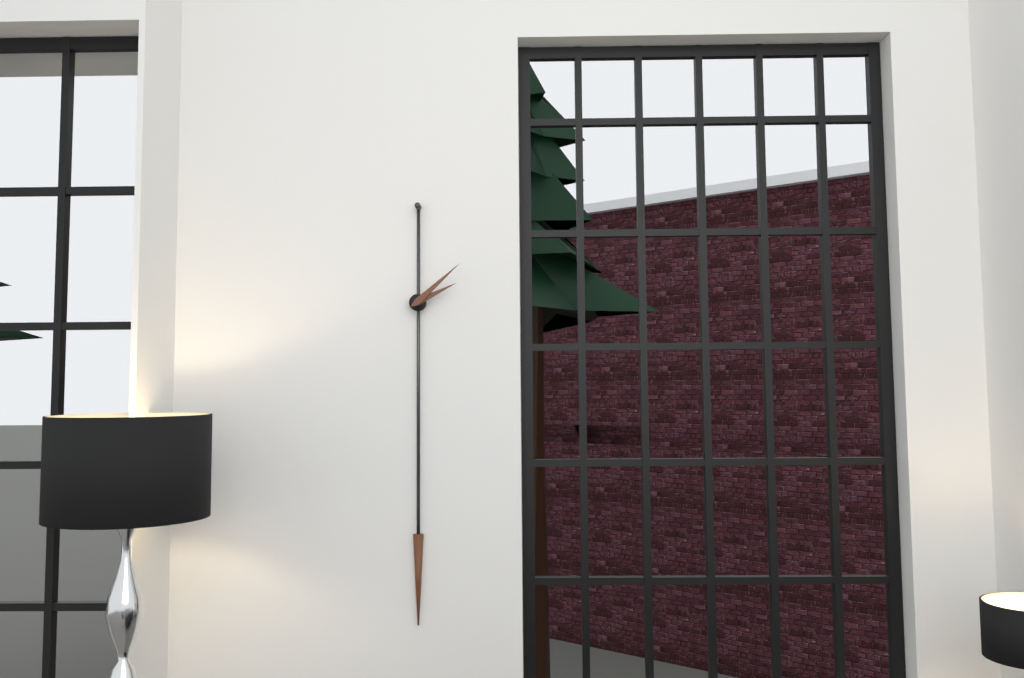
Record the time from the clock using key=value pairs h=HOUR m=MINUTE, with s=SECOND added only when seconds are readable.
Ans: h=2 m=8
